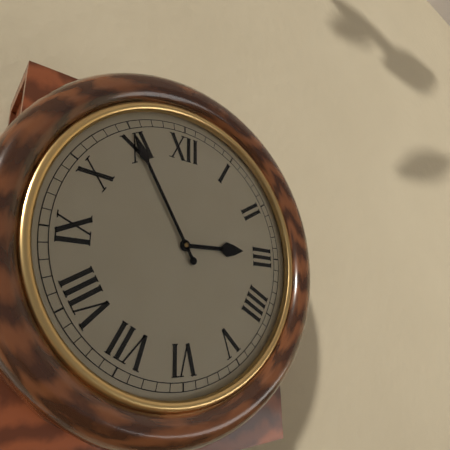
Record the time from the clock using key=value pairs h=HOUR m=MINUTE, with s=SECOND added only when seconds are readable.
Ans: h=2 m=55
